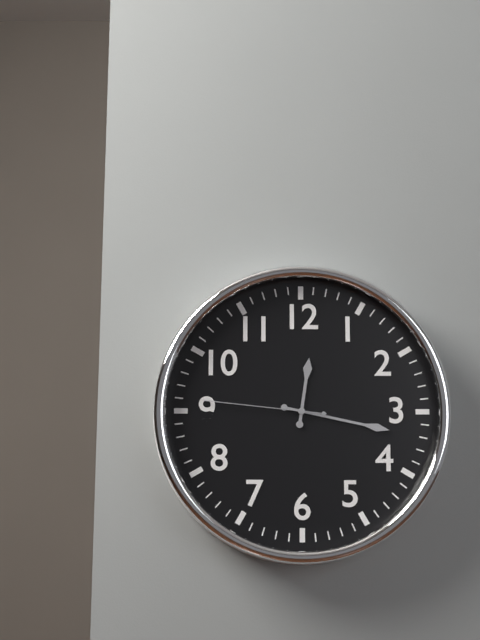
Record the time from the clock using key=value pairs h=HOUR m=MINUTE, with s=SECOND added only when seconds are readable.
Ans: h=12 m=17 s=46
